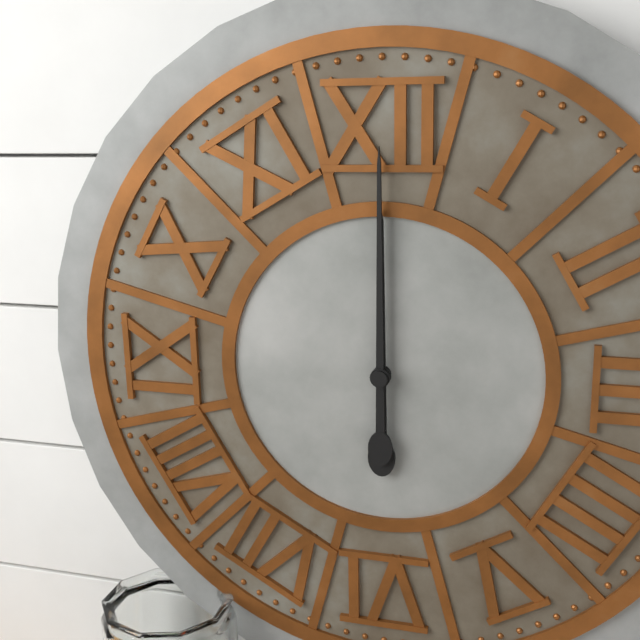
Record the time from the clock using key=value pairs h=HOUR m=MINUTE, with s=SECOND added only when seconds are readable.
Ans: h=12 m=0
